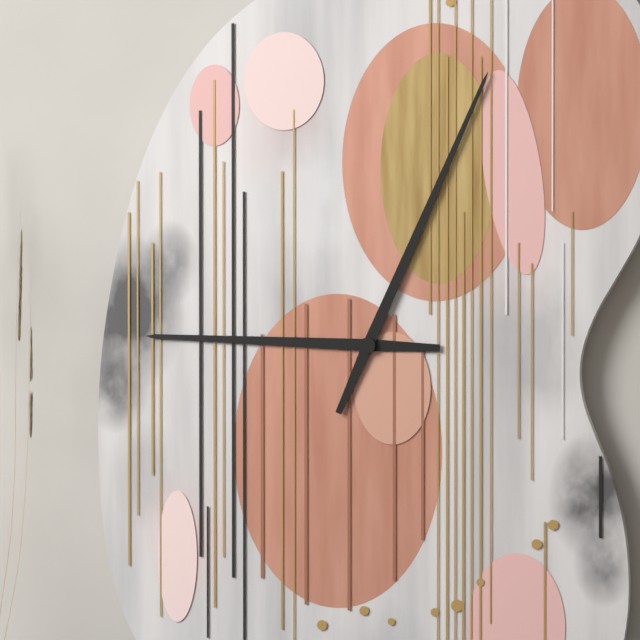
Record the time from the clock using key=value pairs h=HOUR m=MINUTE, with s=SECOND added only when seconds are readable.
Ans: h=9 m=4
